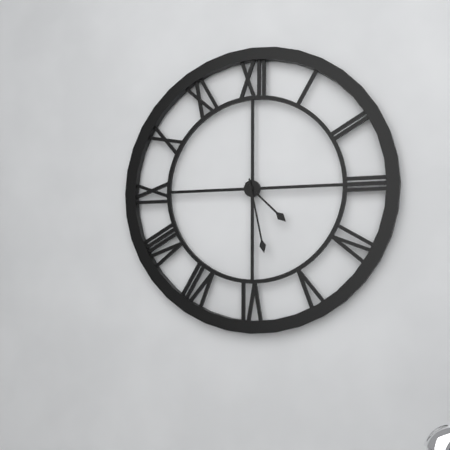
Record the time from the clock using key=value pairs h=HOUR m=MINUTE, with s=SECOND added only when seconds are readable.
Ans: h=4 m=28
